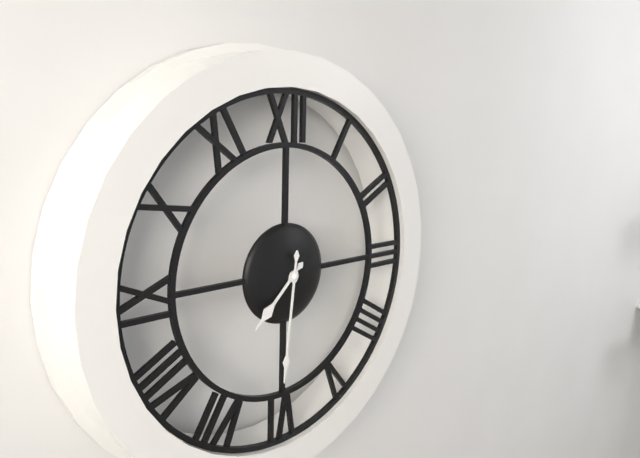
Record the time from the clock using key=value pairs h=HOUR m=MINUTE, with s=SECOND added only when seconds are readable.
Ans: h=7 m=31
